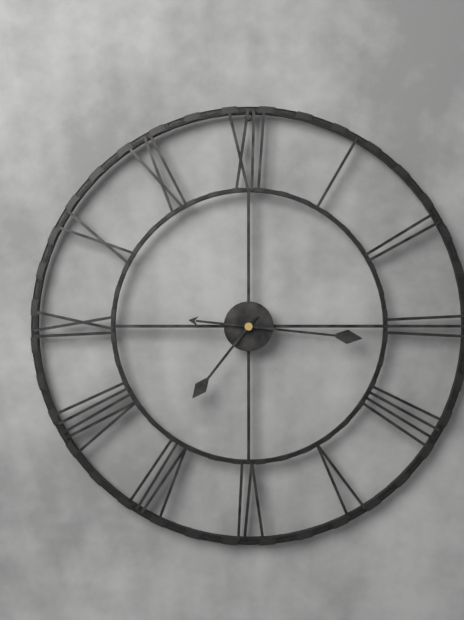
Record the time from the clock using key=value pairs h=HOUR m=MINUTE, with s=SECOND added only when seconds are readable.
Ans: h=7 m=16
